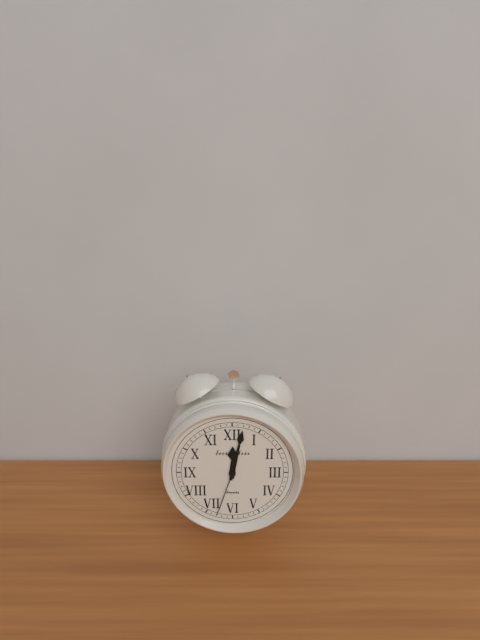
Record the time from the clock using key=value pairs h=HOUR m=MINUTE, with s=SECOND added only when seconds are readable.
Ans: h=12 m=2 s=33
